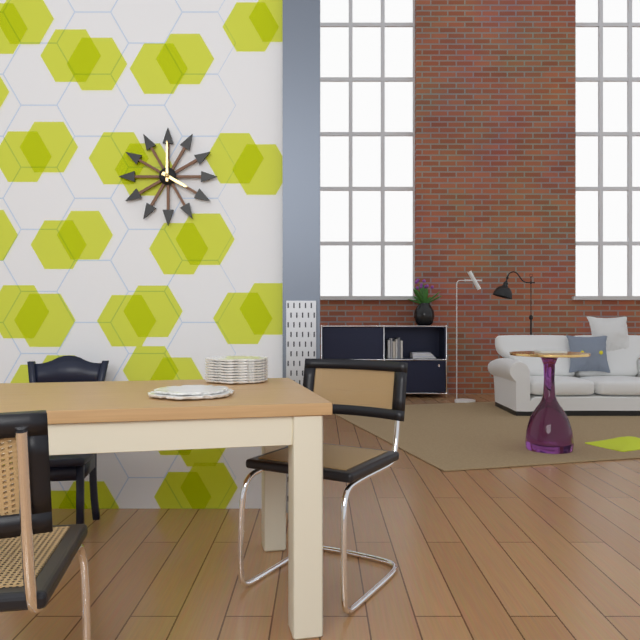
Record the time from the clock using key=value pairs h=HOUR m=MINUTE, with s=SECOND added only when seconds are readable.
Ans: h=4 m=0
